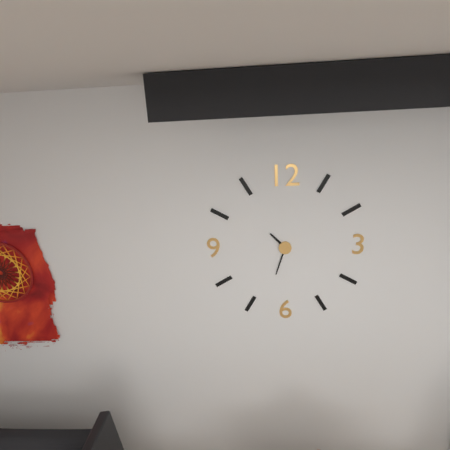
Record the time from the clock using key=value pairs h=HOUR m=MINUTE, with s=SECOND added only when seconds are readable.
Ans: h=10 m=33
